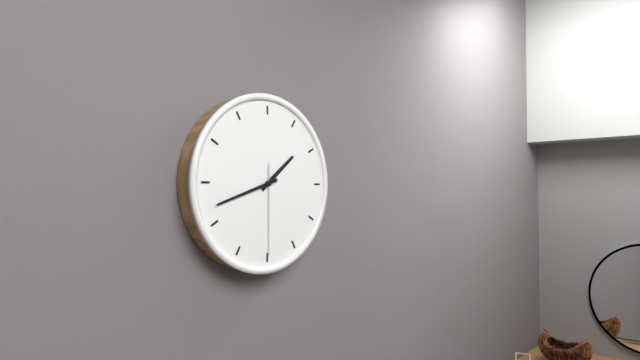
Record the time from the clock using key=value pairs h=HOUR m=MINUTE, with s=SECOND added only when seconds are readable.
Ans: h=1 m=42 s=30
